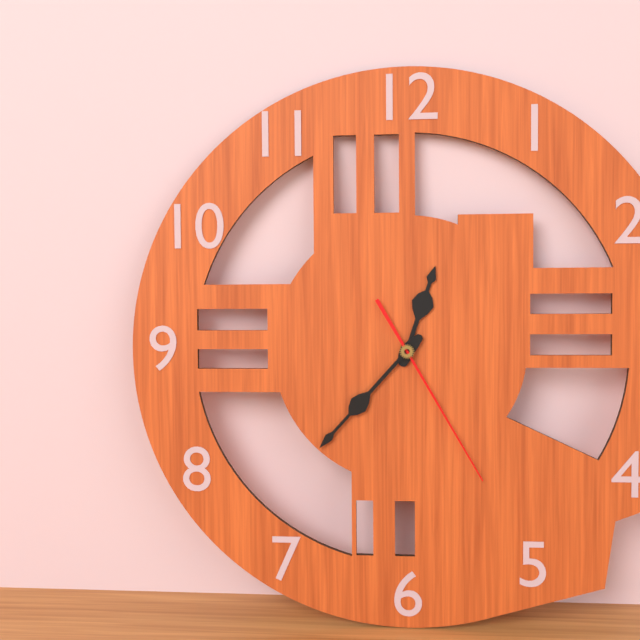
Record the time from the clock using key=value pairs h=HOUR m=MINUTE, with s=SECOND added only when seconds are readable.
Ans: h=12 m=37 s=25
